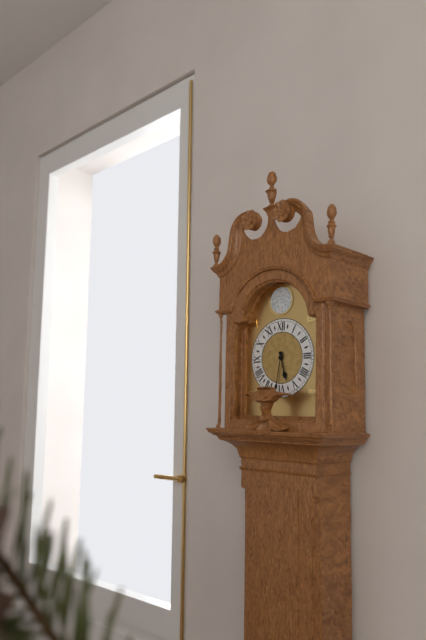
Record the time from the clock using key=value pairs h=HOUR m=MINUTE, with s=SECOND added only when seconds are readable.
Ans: h=5 m=32
